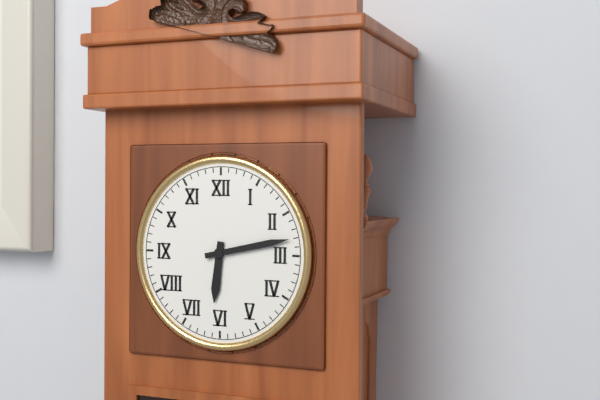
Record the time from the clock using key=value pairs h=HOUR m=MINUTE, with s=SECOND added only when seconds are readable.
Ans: h=6 m=13
